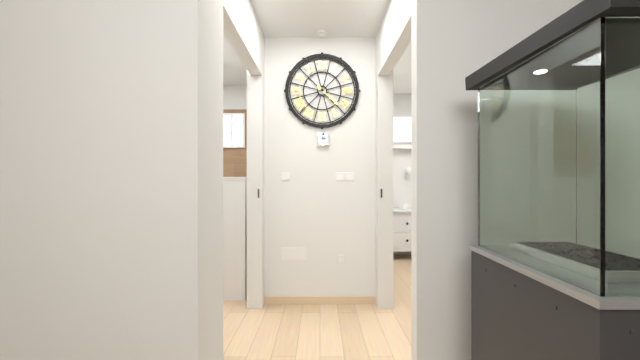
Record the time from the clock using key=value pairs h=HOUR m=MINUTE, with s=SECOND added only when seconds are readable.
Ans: h=4 m=22
